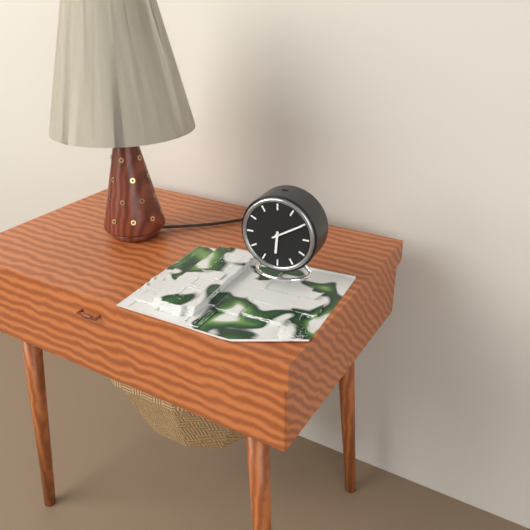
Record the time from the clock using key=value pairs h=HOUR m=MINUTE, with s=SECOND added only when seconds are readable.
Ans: h=6 m=10
